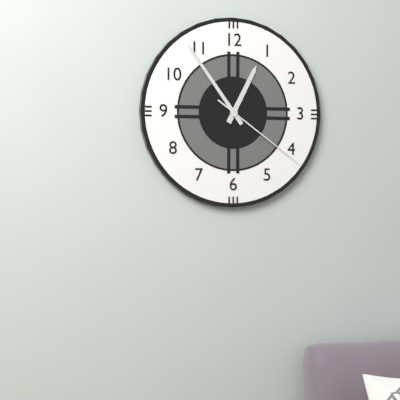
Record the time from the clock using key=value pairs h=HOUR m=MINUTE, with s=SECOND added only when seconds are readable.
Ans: h=12 m=54 s=21
